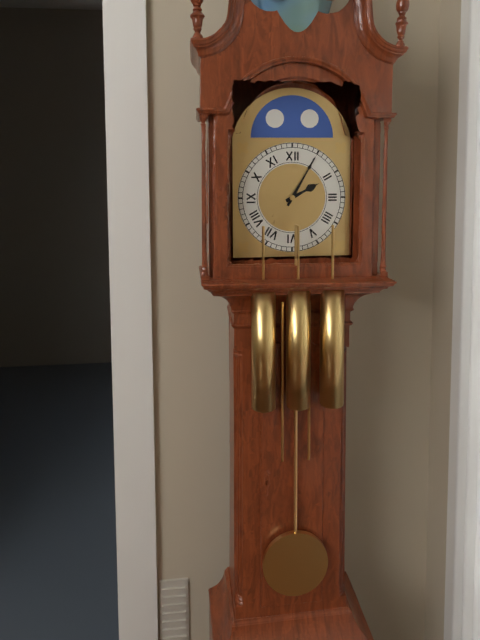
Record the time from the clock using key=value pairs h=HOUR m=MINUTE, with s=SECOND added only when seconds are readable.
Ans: h=2 m=5
